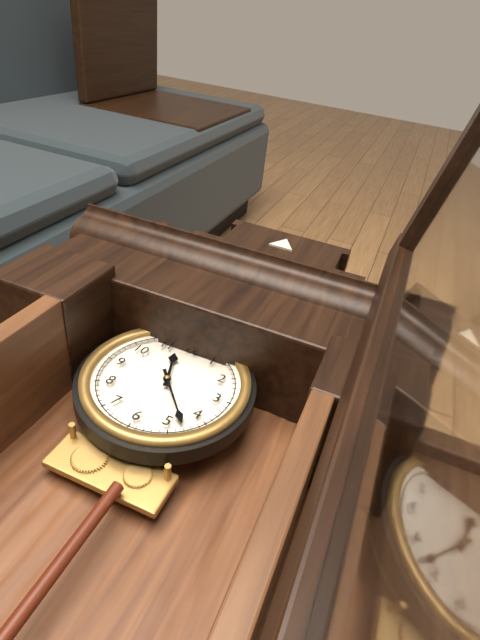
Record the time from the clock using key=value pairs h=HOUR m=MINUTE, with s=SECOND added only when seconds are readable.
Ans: h=11 m=23
